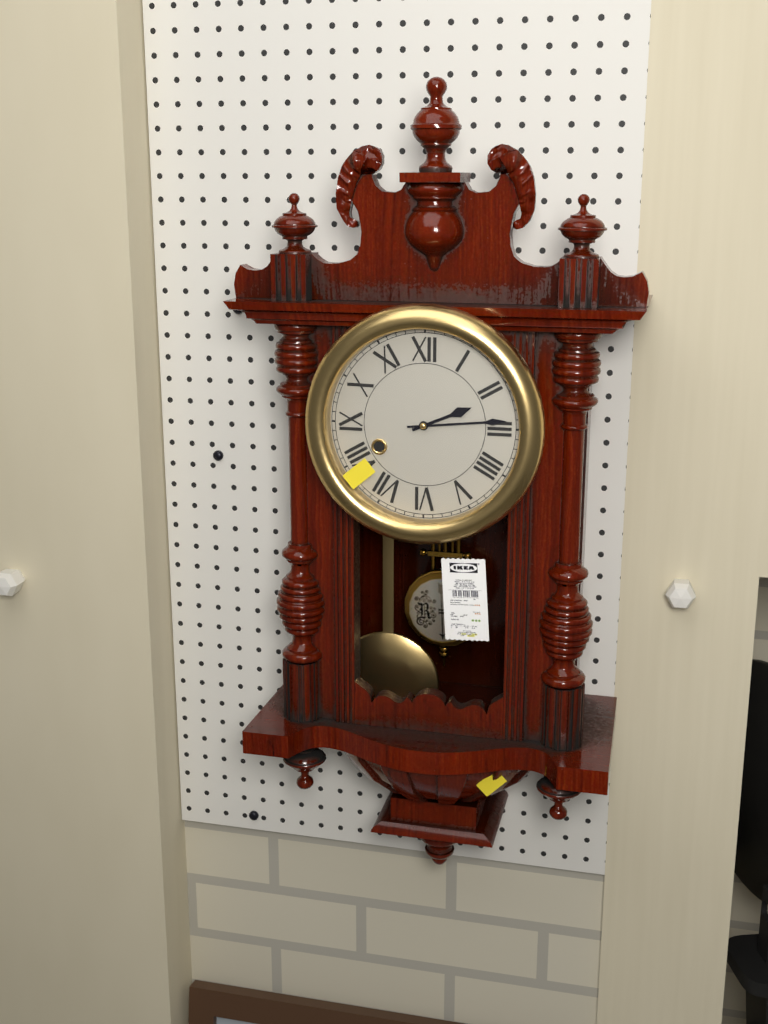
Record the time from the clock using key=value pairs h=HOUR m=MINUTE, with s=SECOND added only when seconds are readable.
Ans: h=2 m=14
